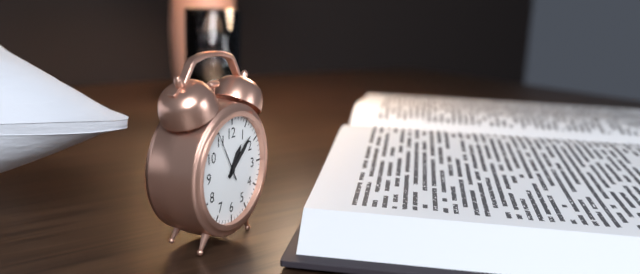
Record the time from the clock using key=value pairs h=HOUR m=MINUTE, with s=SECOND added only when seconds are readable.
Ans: h=1 m=8 s=55
